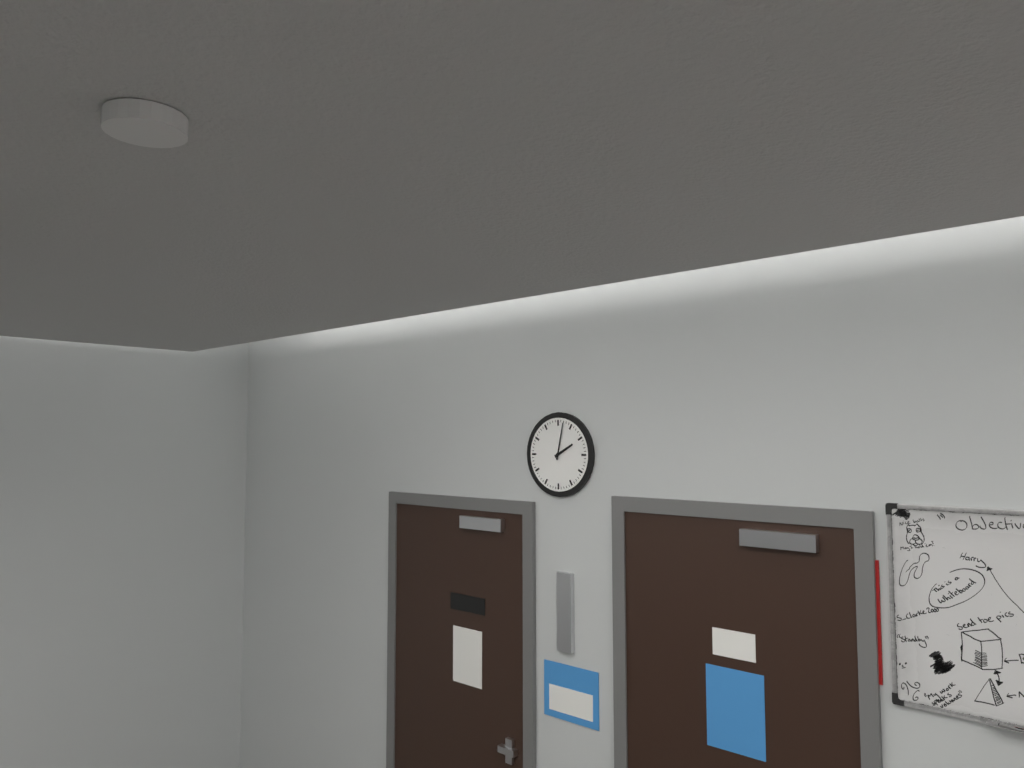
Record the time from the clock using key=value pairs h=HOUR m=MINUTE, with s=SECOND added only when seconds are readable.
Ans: h=2 m=2
